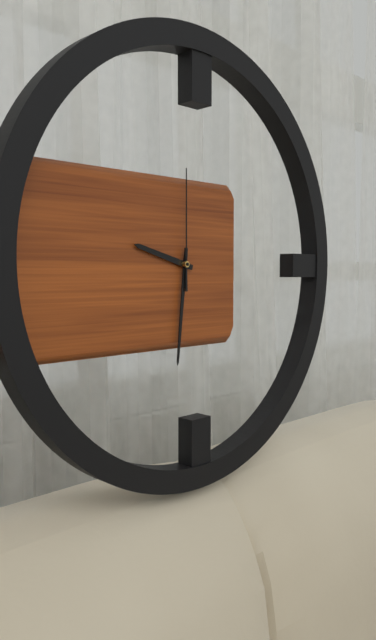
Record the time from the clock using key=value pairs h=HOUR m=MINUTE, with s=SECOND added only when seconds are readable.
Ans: h=9 m=31 s=0
